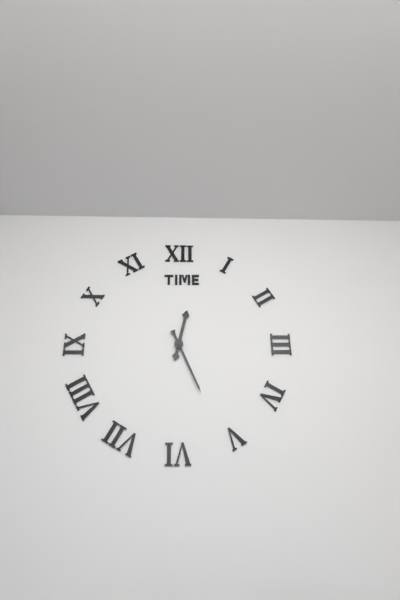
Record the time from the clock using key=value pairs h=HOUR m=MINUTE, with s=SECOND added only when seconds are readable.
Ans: h=12 m=26
